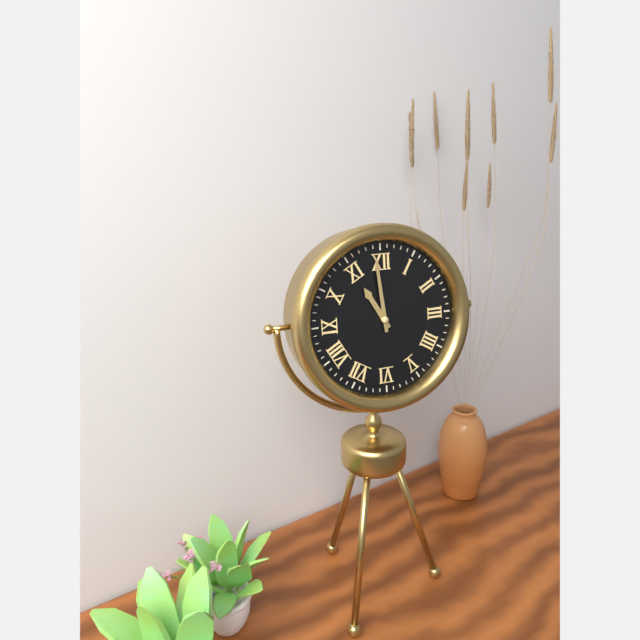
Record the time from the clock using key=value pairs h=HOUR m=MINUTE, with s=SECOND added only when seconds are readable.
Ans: h=10 m=59
